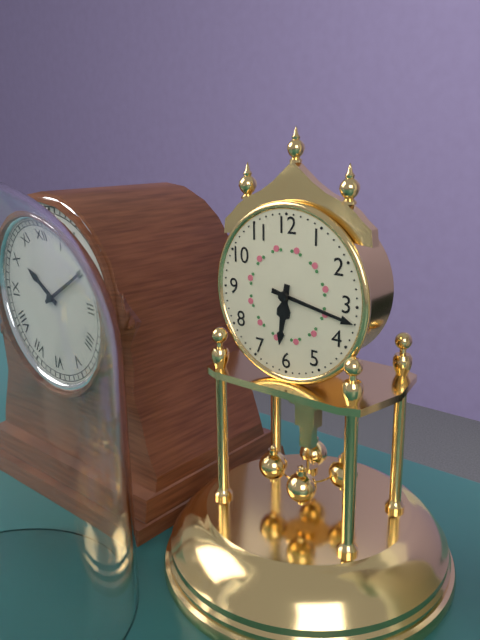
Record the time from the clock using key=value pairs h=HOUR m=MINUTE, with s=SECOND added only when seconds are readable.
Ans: h=6 m=17
